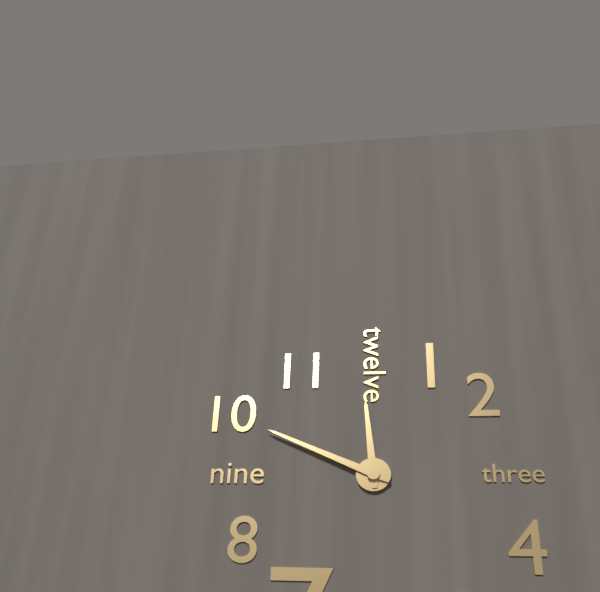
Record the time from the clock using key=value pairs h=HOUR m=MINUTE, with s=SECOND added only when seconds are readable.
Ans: h=11 m=49
